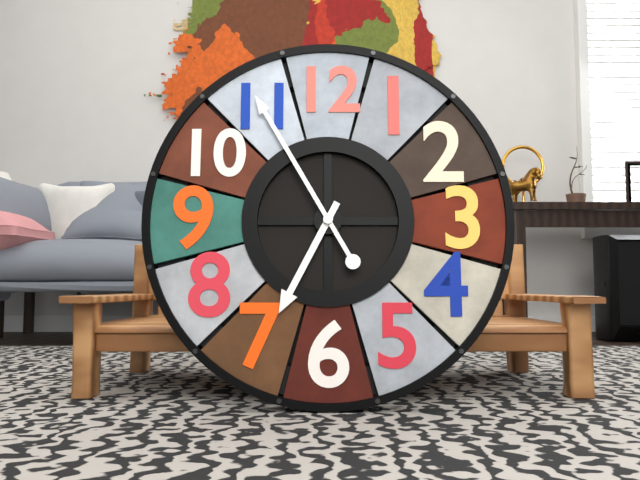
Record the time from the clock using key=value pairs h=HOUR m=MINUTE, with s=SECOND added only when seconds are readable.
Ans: h=6 m=55
